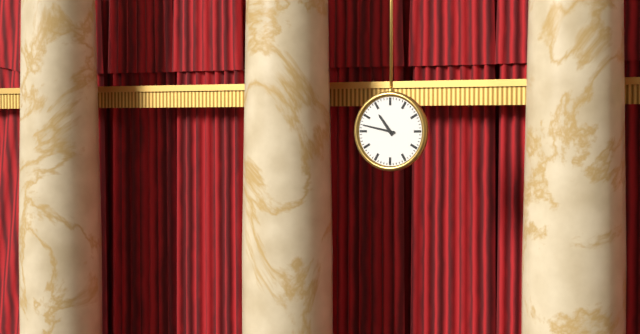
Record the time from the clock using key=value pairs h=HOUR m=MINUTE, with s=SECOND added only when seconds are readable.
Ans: h=10 m=47
